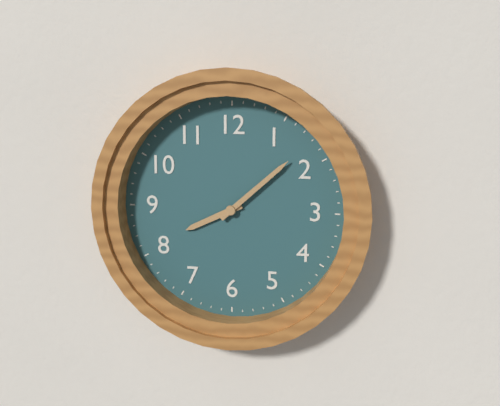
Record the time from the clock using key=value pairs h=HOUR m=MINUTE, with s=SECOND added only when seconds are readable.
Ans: h=8 m=8
